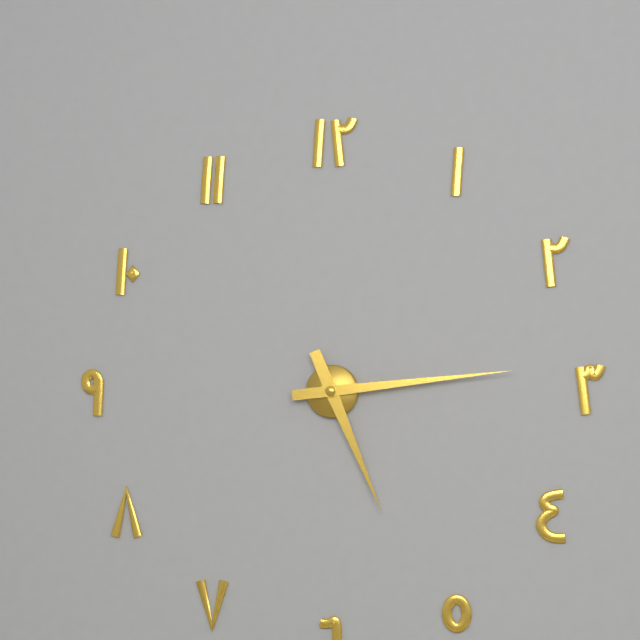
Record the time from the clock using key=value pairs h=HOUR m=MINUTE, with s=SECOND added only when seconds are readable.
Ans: h=5 m=14
